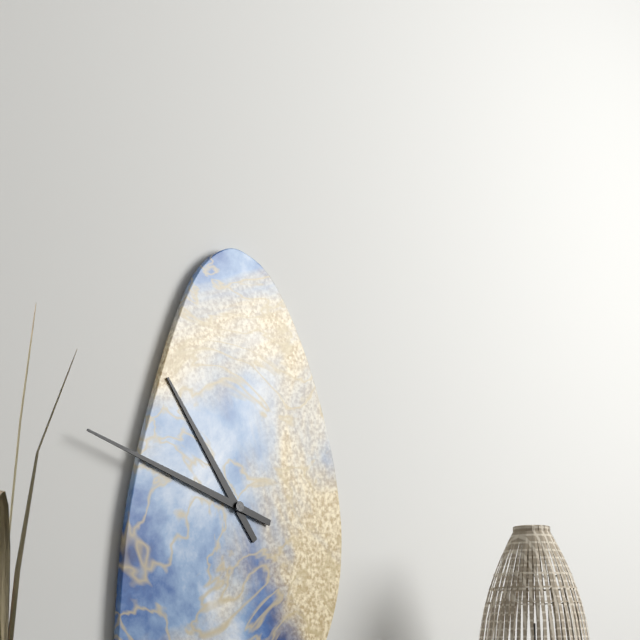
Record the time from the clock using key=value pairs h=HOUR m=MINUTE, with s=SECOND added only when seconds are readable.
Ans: h=10 m=48
